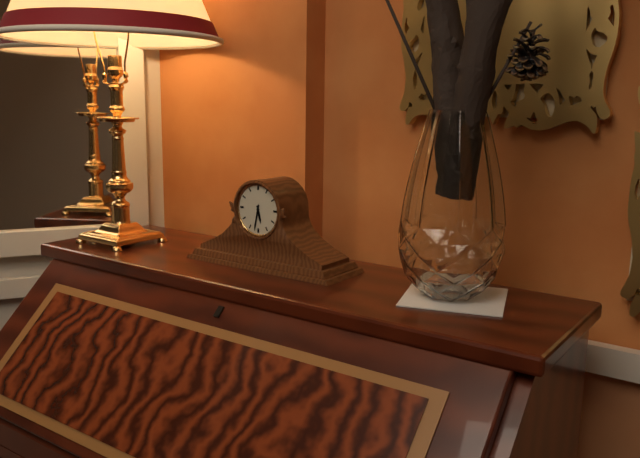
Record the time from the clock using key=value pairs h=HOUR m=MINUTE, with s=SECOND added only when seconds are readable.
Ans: h=5 m=32
